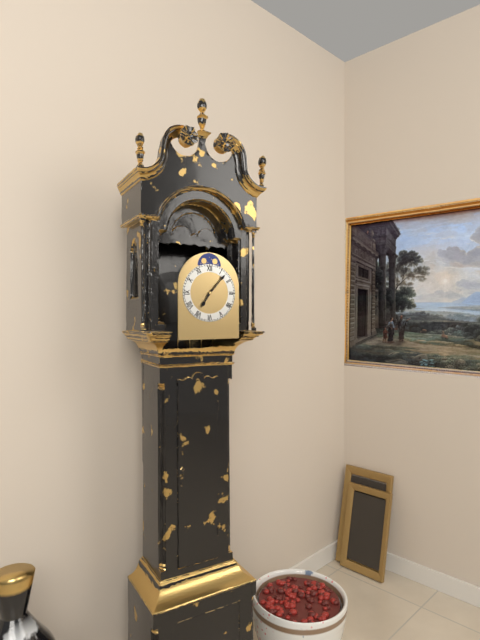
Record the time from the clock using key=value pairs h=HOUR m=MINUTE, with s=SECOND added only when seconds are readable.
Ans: h=7 m=7
